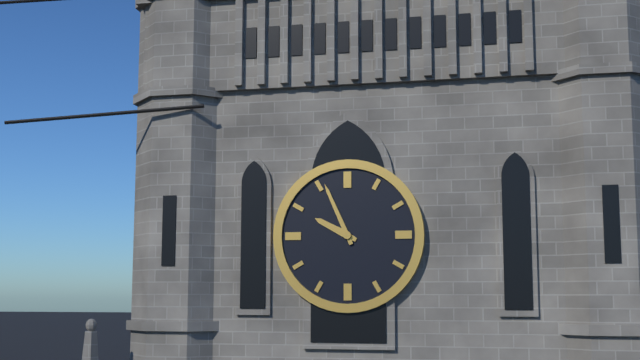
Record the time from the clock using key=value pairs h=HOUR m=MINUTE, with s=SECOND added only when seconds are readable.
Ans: h=9 m=56
